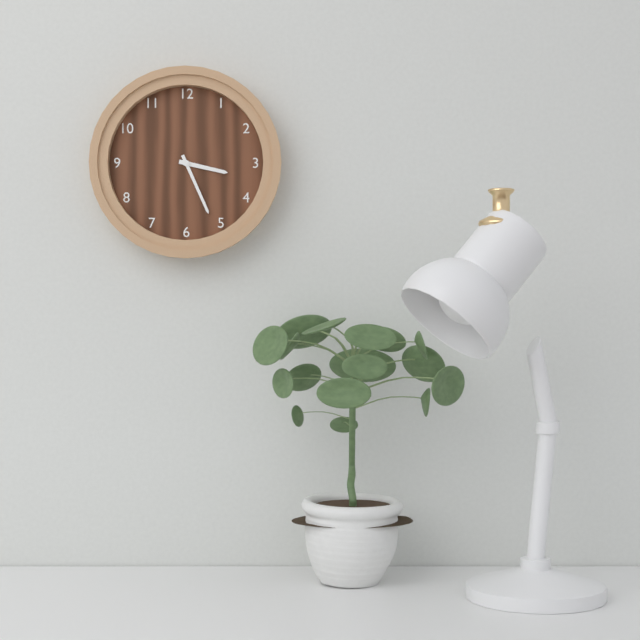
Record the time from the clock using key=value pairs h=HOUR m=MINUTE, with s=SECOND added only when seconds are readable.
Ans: h=3 m=26
